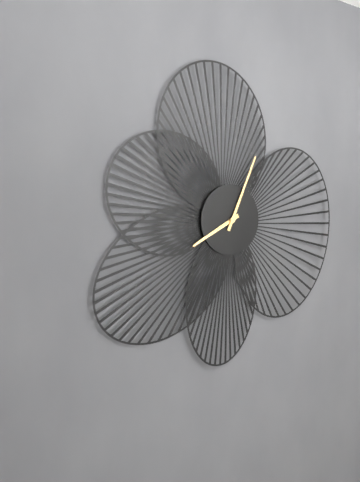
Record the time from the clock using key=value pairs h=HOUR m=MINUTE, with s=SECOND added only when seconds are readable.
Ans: h=8 m=4
